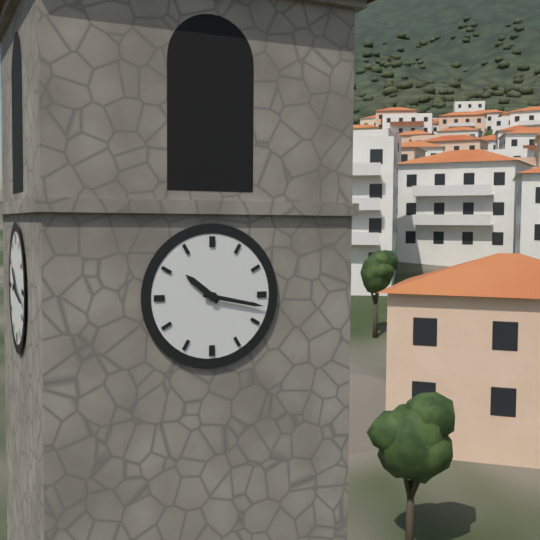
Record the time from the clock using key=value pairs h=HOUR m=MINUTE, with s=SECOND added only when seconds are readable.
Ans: h=10 m=17
